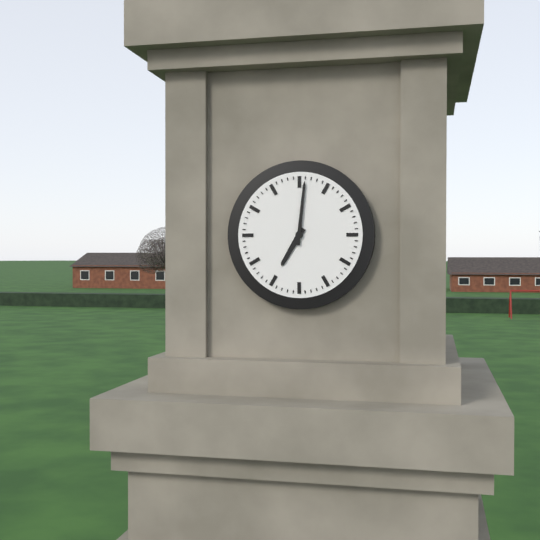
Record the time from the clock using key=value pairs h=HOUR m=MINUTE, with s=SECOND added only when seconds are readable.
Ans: h=7 m=1
